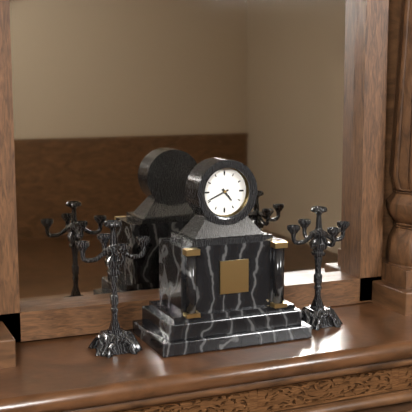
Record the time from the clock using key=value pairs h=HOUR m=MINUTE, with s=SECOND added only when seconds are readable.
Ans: h=4 m=41
